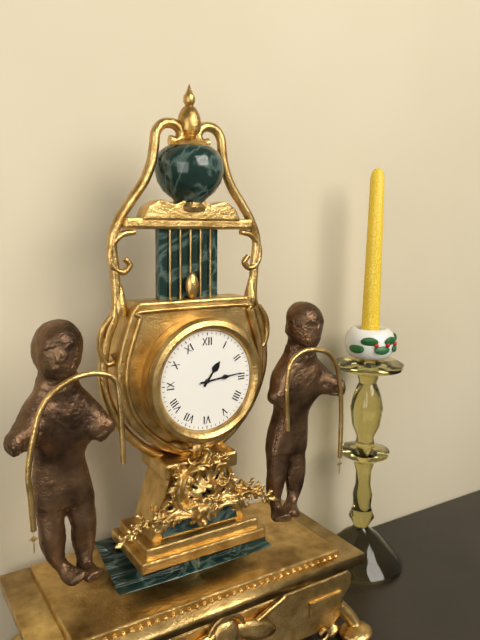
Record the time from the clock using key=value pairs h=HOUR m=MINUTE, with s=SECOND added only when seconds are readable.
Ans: h=1 m=14
